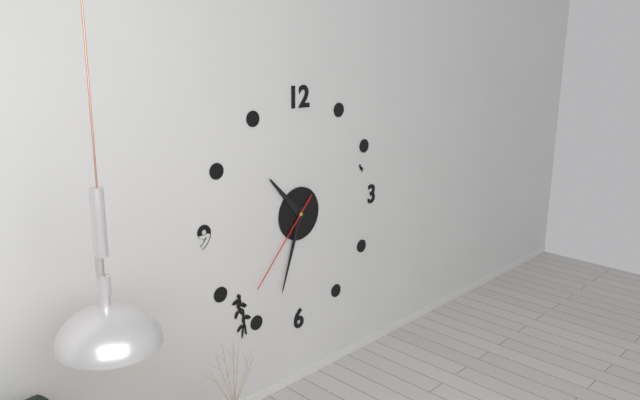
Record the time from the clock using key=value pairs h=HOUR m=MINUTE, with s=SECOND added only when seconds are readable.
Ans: h=10 m=33 s=37
